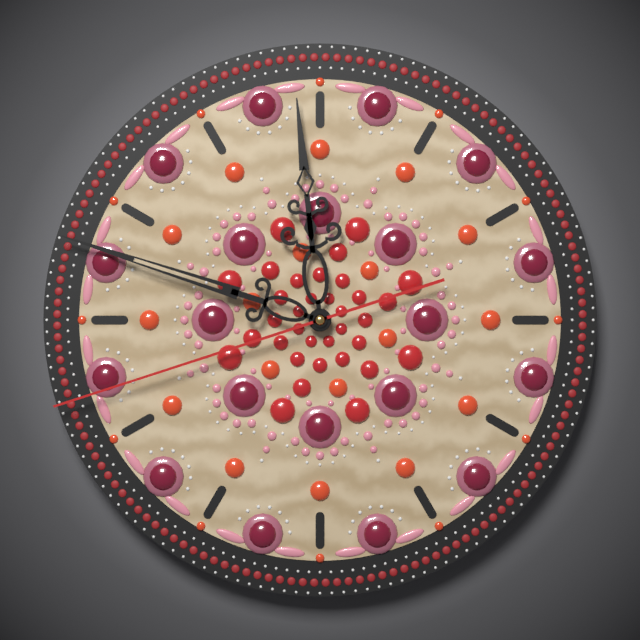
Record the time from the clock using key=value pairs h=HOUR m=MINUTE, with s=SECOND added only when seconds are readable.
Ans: h=11 m=48 s=42
